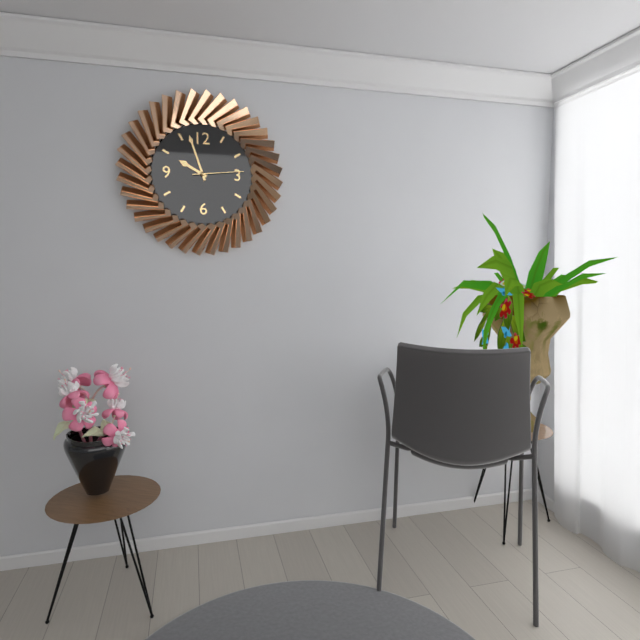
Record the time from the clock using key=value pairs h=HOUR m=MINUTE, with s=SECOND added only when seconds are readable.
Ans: h=9 m=57 s=14
